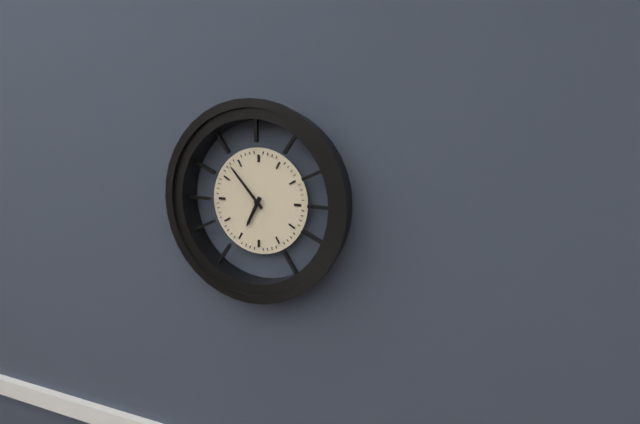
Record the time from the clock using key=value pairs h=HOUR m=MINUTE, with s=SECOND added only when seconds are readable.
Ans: h=6 m=53
